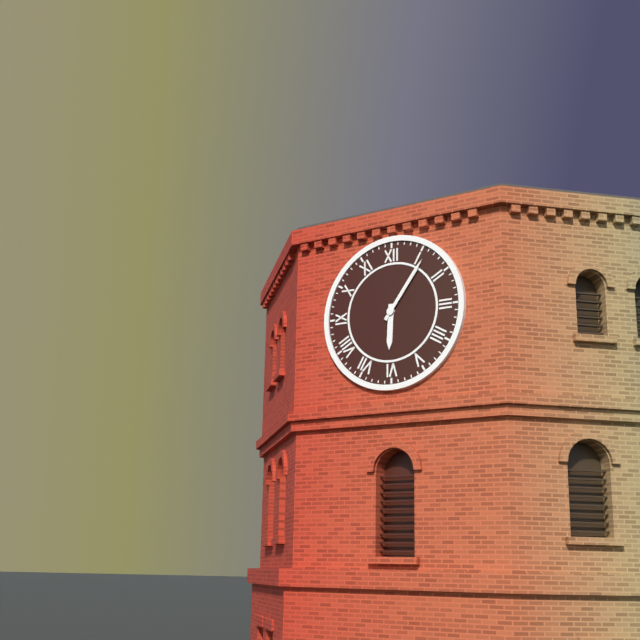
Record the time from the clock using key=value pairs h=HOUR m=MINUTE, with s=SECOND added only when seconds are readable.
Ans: h=6 m=6
